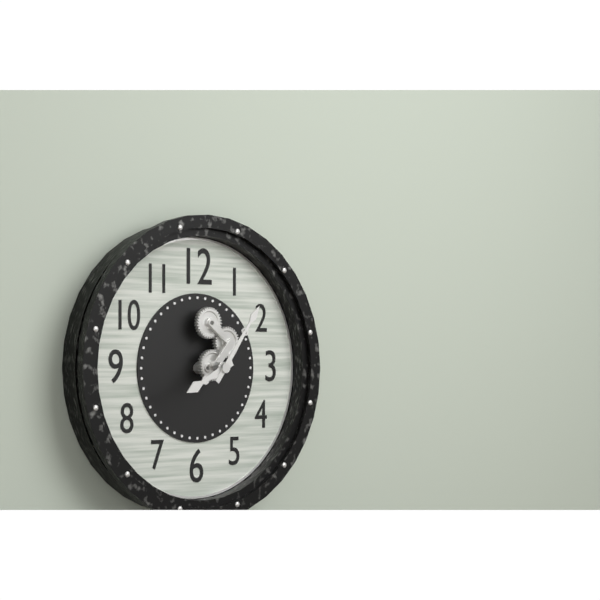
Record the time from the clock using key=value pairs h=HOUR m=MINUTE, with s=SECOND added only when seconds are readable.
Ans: h=8 m=6
